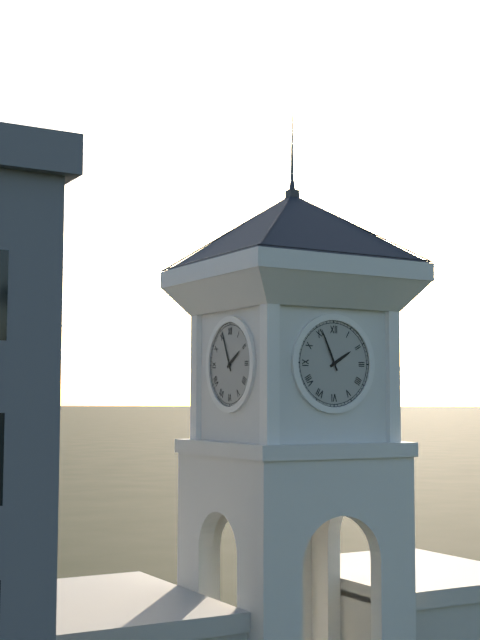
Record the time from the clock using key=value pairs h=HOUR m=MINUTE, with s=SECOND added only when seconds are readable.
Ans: h=1 m=56
